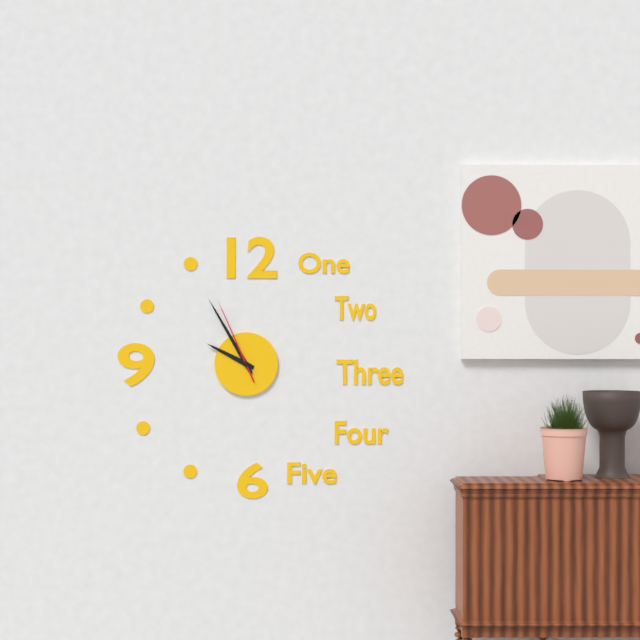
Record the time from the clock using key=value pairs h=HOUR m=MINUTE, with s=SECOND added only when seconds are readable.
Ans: h=9 m=55 s=56
